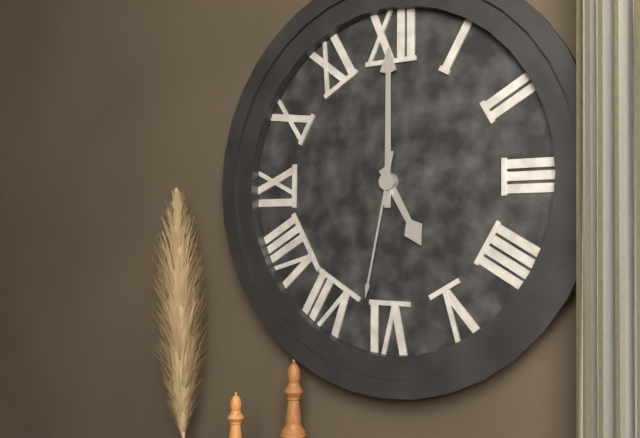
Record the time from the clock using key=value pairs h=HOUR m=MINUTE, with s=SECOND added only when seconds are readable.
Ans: h=5 m=0 s=32
